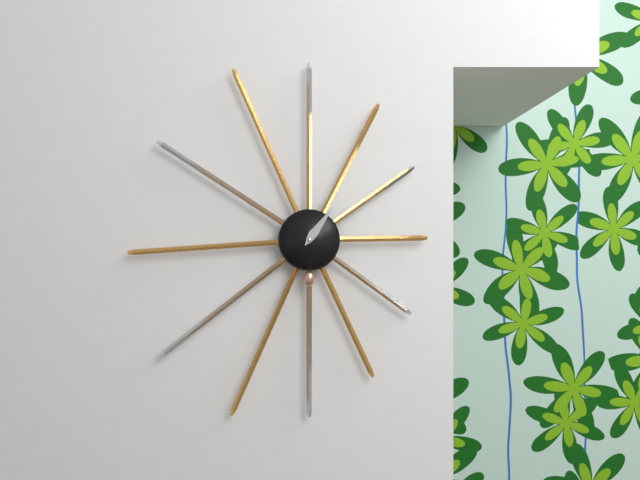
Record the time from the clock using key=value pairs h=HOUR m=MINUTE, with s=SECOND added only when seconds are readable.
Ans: h=1 m=6
